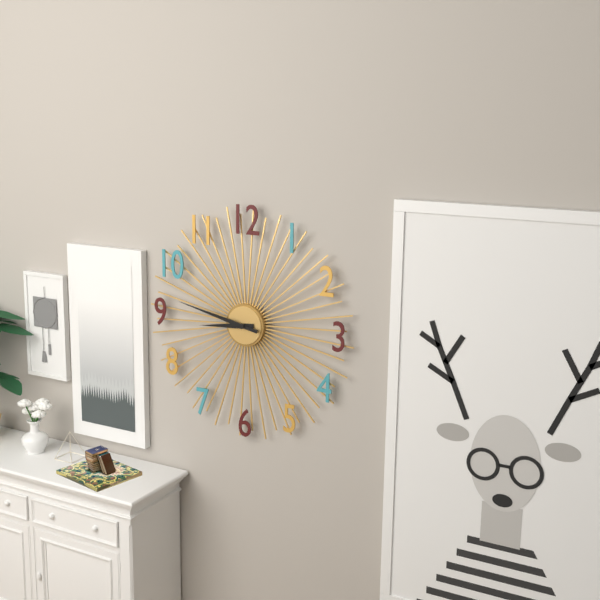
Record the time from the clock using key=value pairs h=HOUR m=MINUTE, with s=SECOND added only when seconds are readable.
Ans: h=8 m=47
